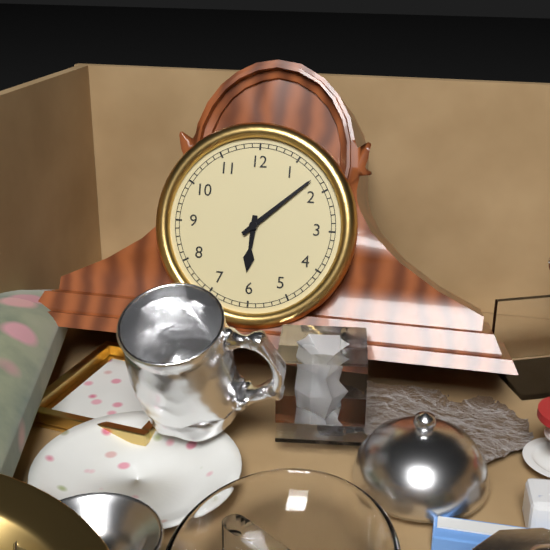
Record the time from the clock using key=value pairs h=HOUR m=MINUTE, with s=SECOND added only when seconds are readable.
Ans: h=6 m=8
